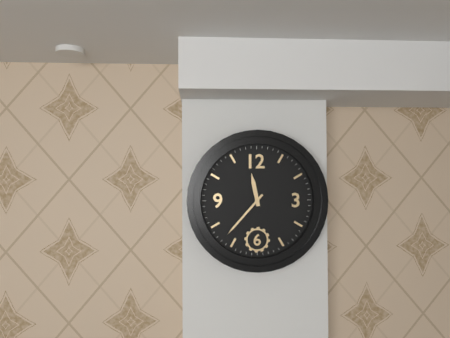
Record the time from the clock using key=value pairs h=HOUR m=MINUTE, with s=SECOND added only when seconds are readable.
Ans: h=11 m=37
